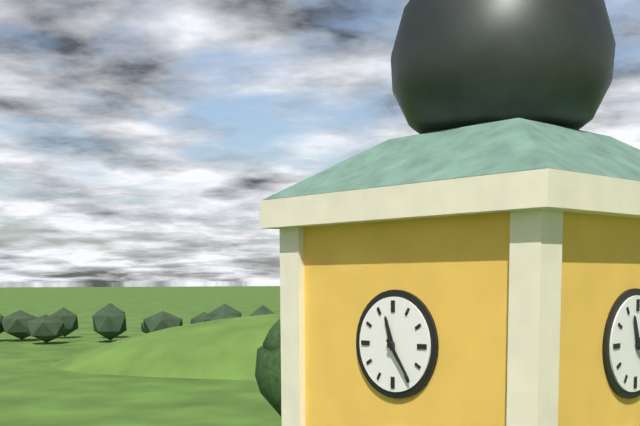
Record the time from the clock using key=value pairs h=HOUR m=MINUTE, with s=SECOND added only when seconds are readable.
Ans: h=11 m=24
